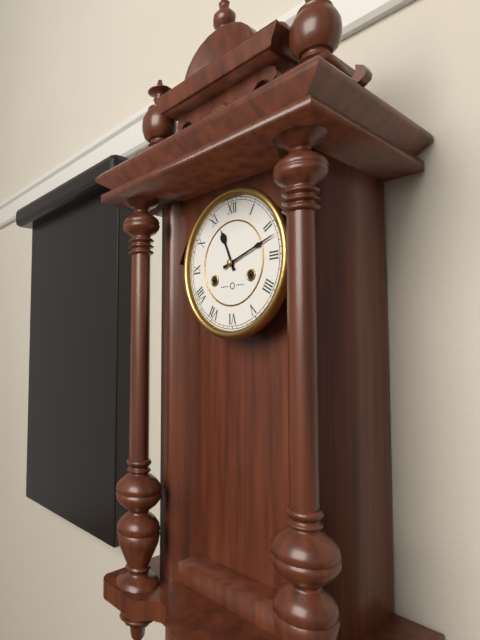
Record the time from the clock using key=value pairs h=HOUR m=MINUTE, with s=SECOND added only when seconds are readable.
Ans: h=11 m=12
